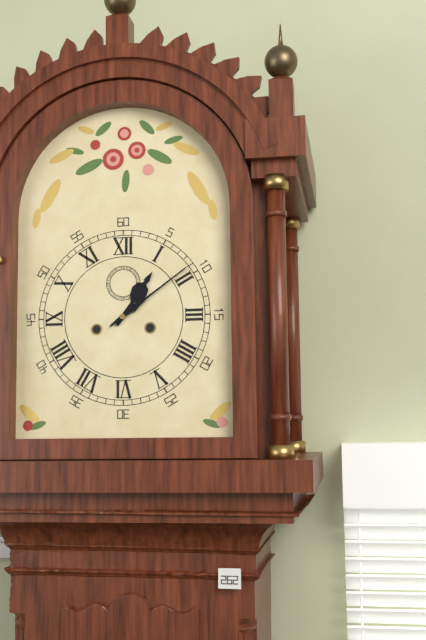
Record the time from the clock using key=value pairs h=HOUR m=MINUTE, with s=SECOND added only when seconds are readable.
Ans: h=1 m=9
